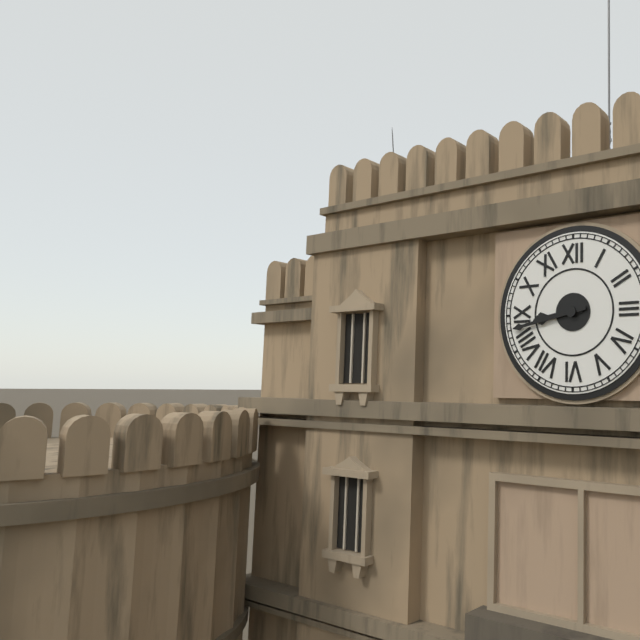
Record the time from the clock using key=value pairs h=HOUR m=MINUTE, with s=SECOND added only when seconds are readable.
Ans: h=8 m=43
